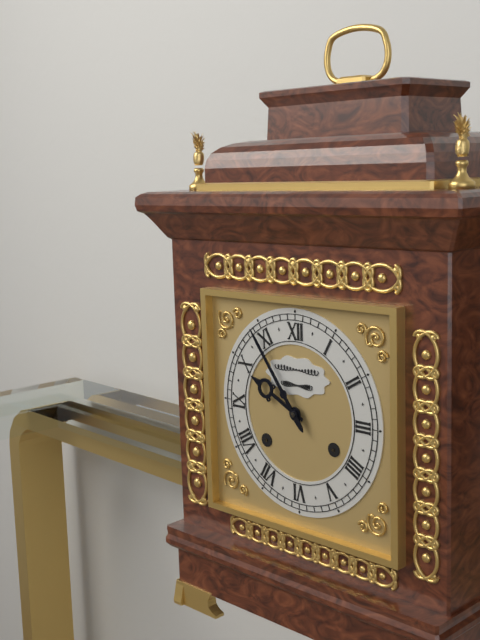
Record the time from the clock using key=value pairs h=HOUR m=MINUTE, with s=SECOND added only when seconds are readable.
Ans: h=9 m=54
